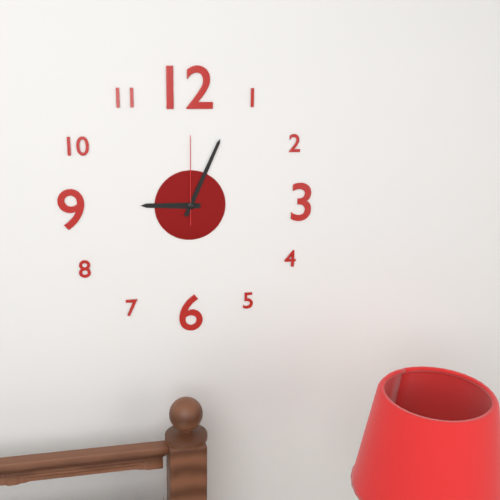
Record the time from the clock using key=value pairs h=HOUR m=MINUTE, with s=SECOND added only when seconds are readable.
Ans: h=9 m=4 s=0
